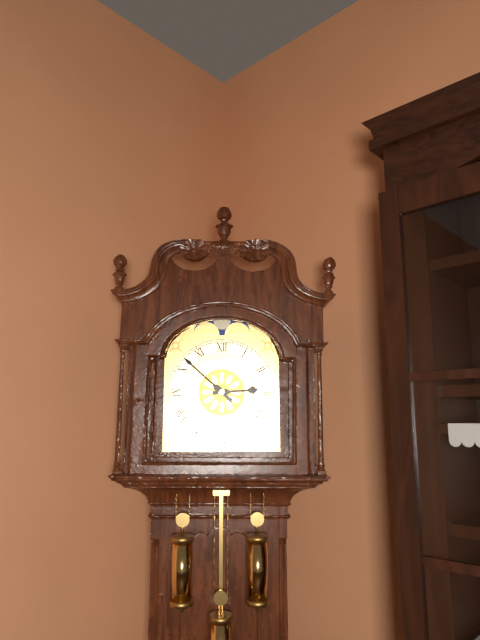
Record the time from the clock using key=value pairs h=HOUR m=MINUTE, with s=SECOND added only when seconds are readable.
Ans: h=2 m=52
